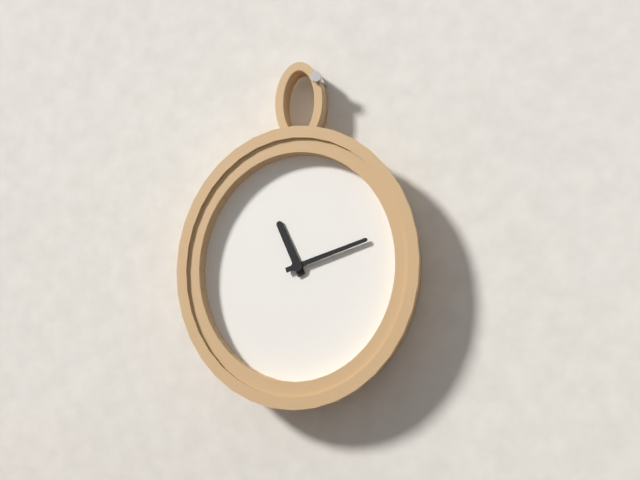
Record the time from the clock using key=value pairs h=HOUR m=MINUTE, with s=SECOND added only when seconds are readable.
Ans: h=11 m=12
